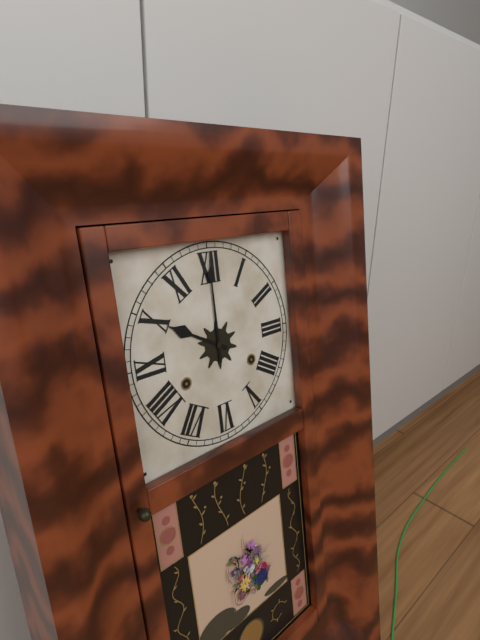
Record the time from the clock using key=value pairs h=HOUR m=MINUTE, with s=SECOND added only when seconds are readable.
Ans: h=10 m=0
